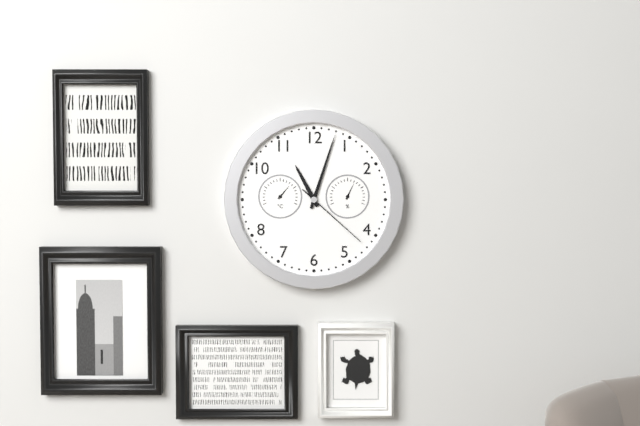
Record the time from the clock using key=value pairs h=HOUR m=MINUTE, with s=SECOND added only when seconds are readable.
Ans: h=11 m=3 s=22
